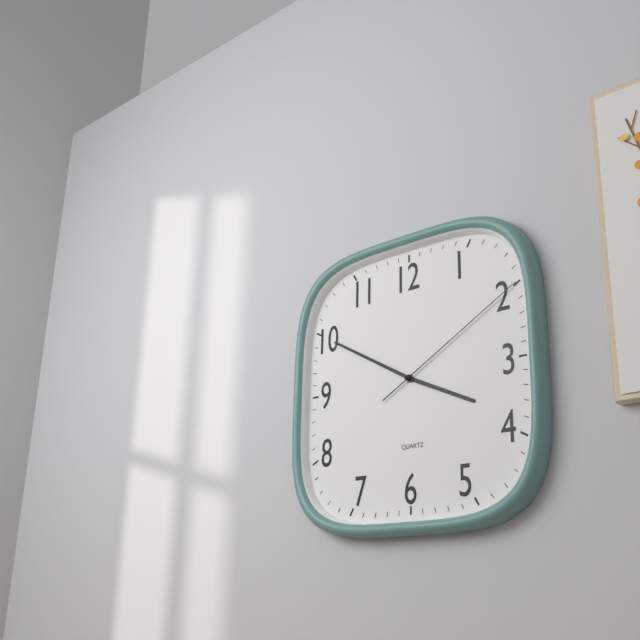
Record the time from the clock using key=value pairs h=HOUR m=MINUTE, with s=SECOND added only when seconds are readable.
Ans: h=3 m=50 s=10
